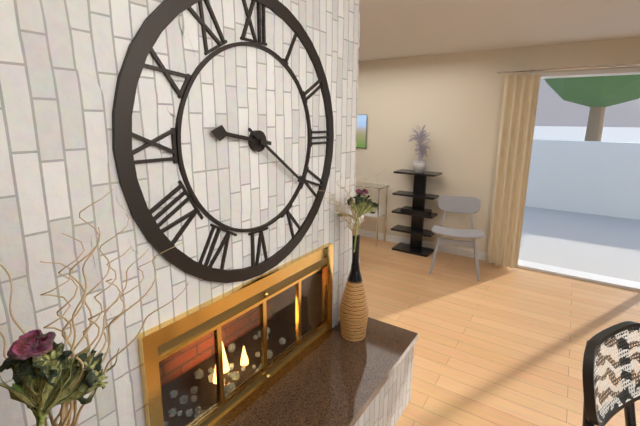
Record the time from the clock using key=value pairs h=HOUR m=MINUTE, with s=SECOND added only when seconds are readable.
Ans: h=9 m=21
